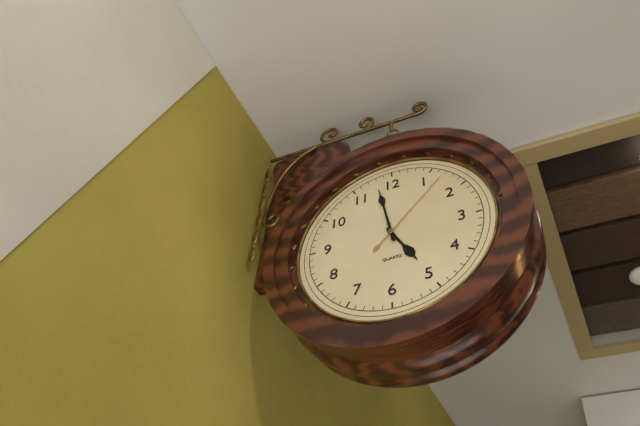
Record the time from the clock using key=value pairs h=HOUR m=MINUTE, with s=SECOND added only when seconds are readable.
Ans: h=4 m=58 s=7
